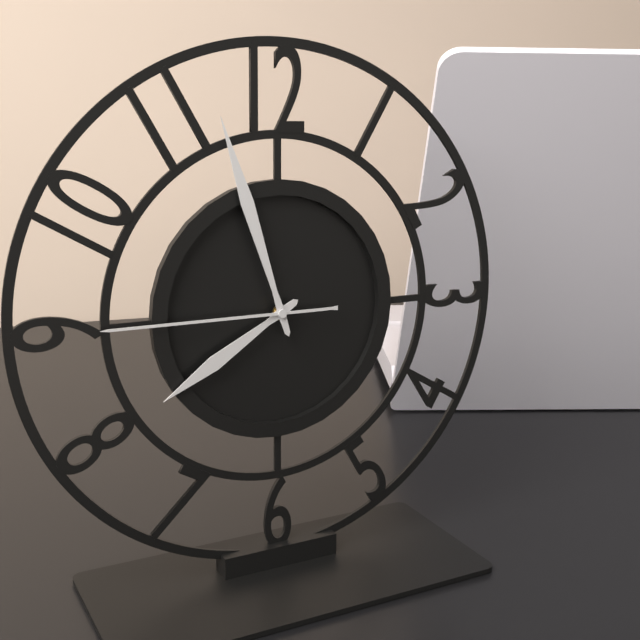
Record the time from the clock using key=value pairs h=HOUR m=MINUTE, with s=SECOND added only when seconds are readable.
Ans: h=7 m=57 s=45
